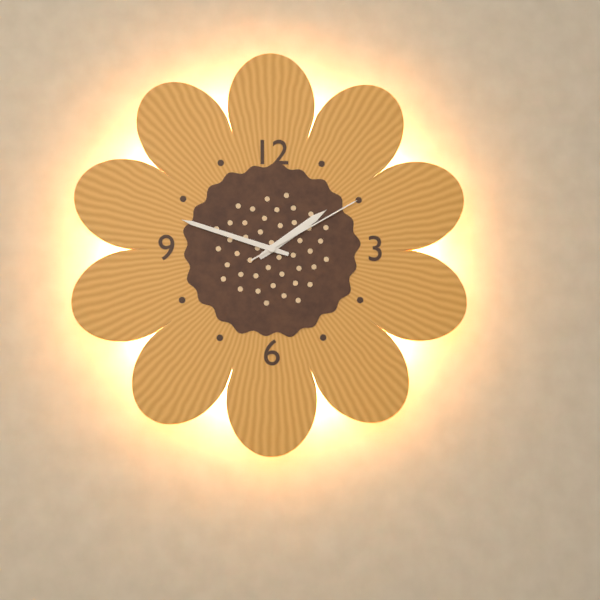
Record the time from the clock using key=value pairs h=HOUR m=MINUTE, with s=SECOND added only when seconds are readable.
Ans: h=1 m=48 s=10
